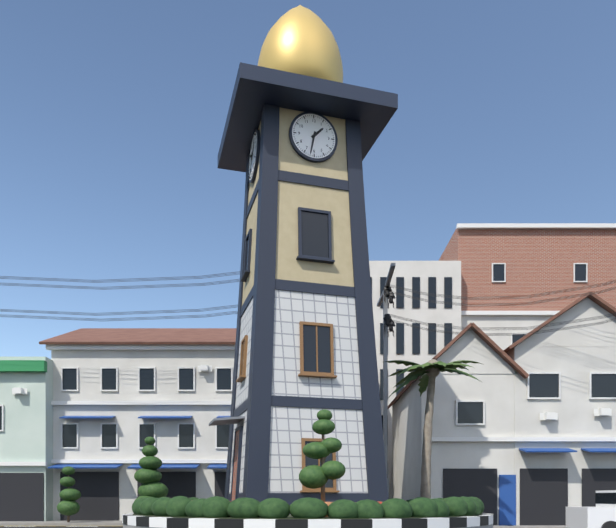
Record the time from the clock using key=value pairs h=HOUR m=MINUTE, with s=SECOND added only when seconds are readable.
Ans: h=1 m=32
